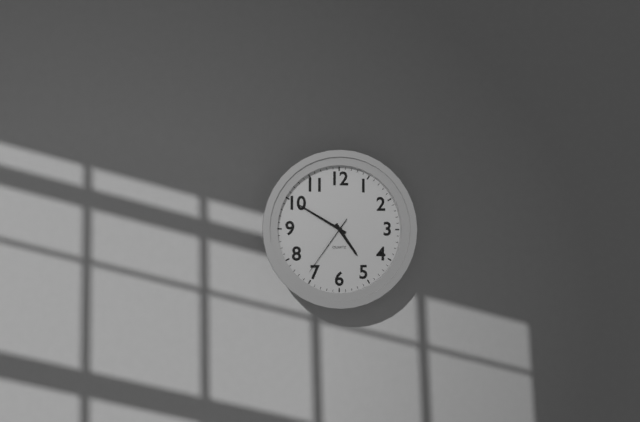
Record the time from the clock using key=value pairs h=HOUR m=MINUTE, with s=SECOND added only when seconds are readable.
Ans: h=4 m=50 s=36
